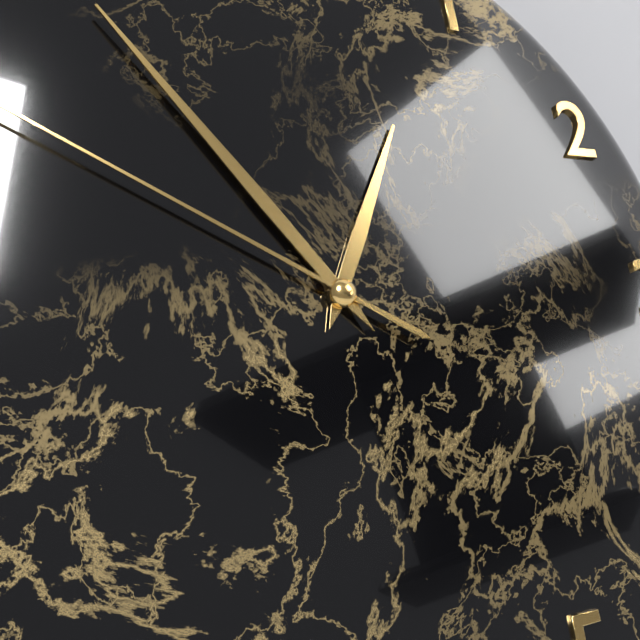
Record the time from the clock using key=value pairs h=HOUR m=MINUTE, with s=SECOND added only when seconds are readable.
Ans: h=12 m=54
